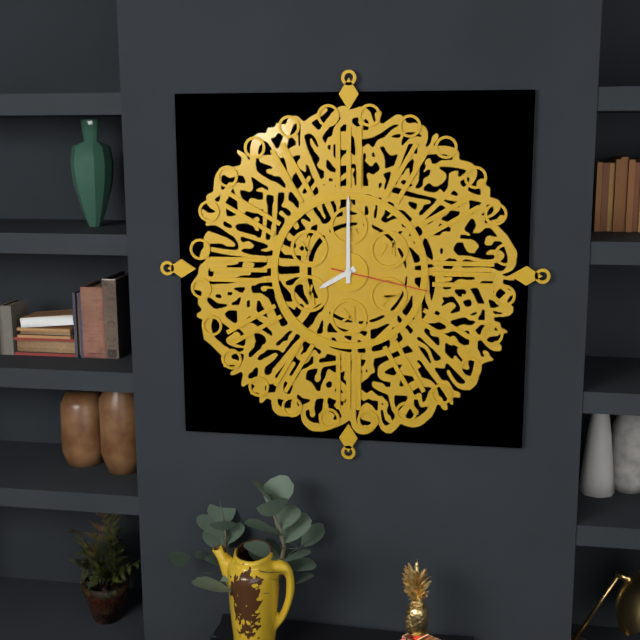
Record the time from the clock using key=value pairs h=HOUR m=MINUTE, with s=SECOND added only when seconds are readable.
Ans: h=8 m=0 s=17
